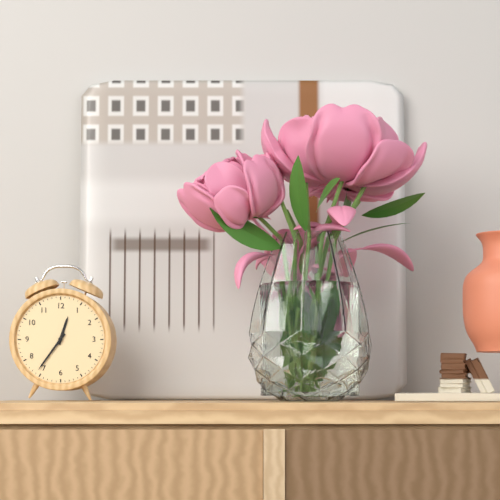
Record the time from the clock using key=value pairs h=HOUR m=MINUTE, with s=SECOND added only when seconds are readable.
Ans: h=12 m=36
